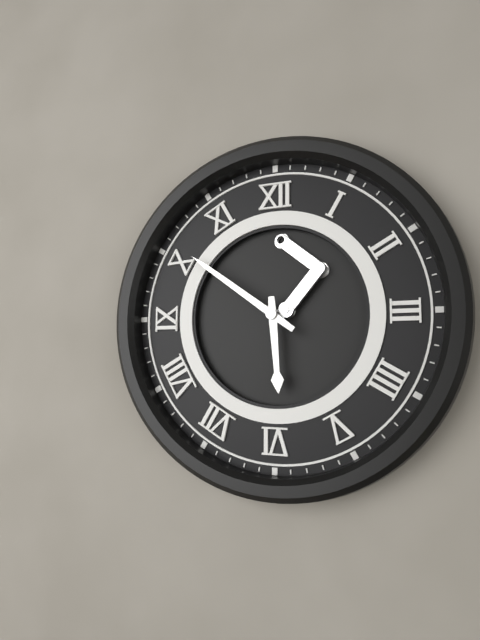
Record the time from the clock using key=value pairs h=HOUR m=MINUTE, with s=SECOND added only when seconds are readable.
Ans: h=5 m=51
